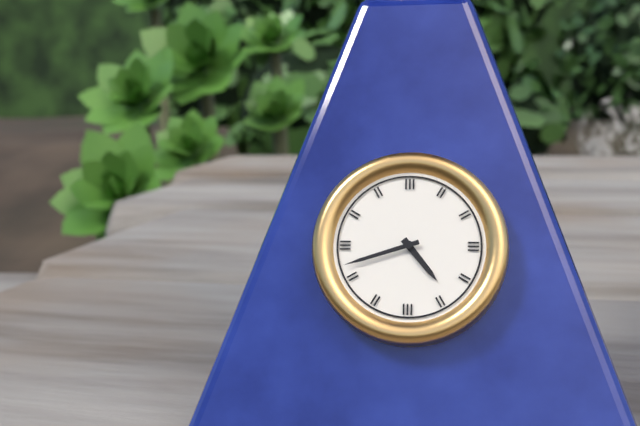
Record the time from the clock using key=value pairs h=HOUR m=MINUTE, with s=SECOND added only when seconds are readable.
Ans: h=4 m=42
